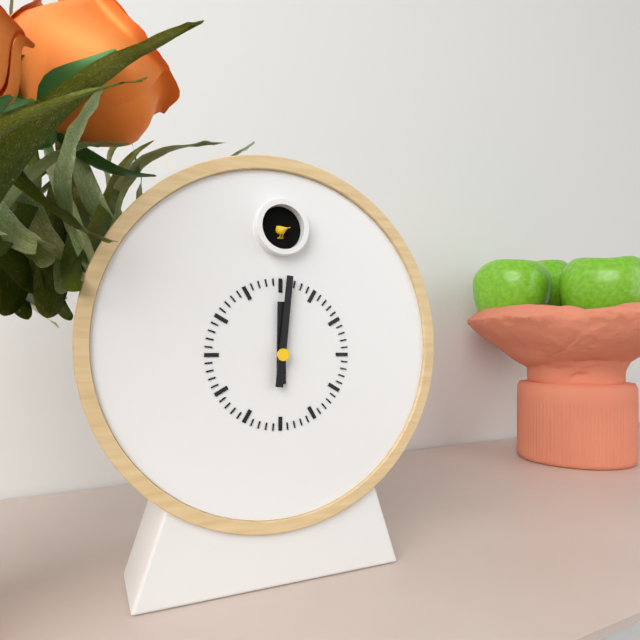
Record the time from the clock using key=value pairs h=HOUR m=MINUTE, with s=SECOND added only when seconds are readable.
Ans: h=12 m=1
